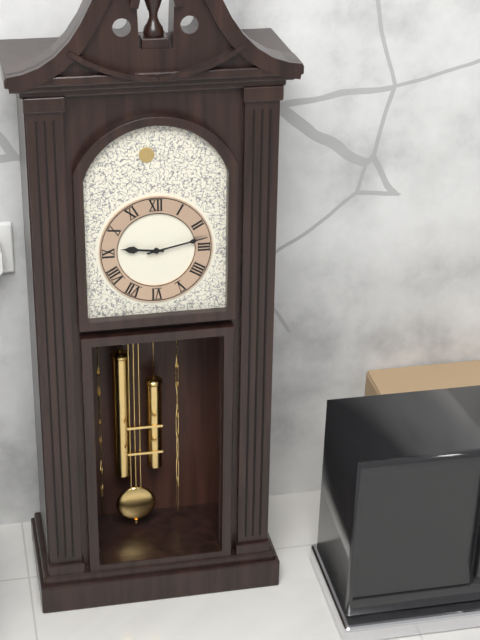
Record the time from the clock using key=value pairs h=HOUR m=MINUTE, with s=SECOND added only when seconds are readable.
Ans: h=9 m=13
